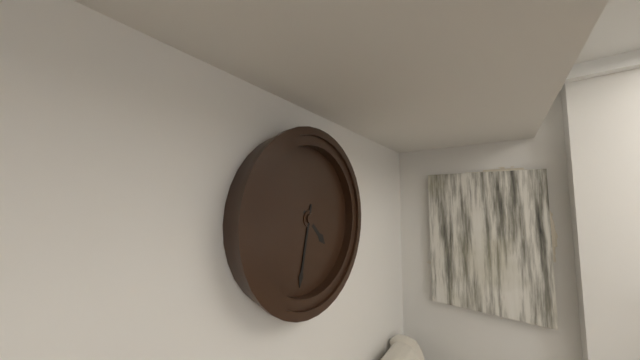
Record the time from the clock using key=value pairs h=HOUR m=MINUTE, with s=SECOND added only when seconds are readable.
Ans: h=4 m=32
